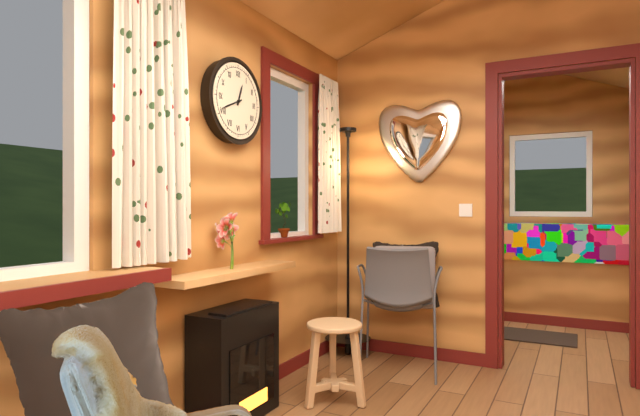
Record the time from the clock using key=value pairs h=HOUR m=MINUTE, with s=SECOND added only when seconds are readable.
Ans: h=12 m=41
